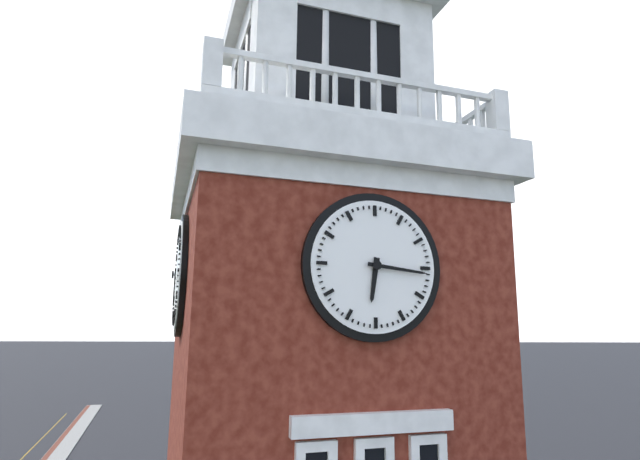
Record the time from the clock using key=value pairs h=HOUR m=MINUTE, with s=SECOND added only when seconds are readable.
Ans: h=6 m=16
